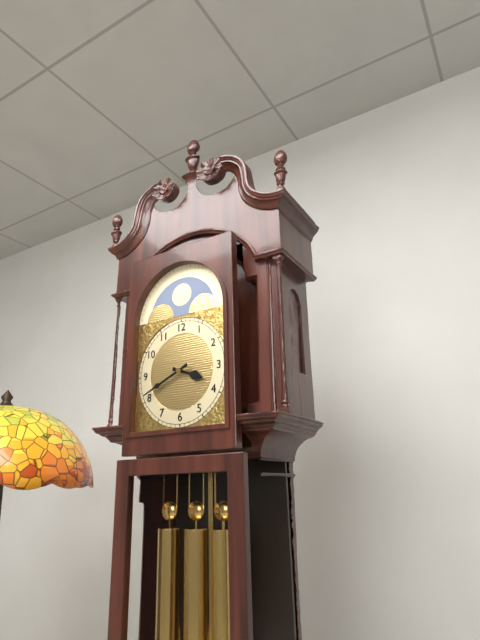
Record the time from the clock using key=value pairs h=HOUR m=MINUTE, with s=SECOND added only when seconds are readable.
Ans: h=3 m=41
